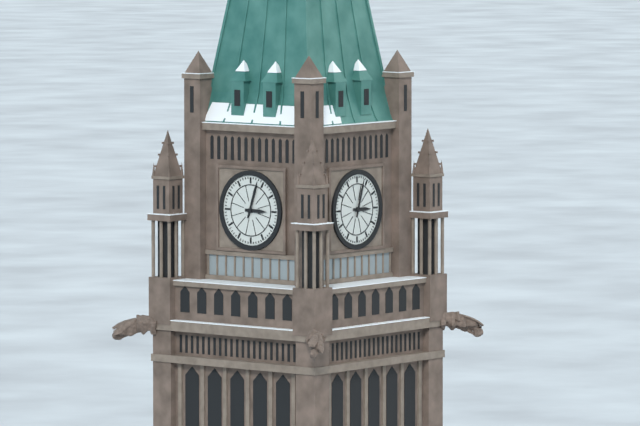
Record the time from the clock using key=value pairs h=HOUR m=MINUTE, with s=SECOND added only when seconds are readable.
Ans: h=3 m=3
